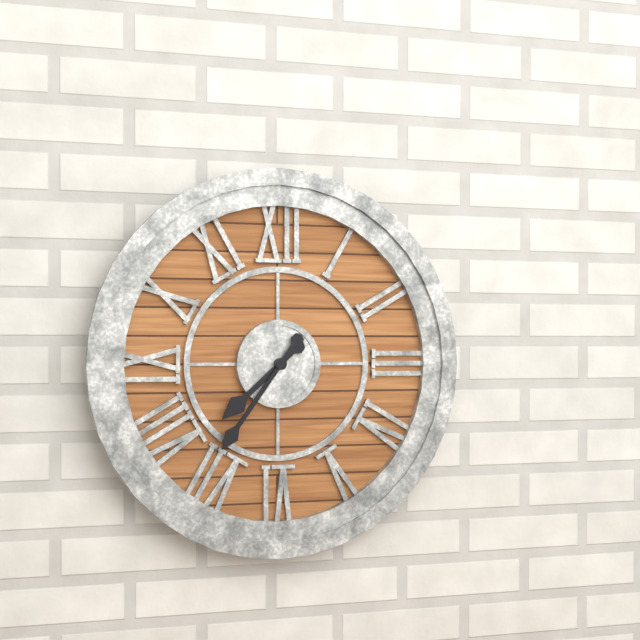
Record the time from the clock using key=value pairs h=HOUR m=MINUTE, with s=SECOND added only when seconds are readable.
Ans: h=7 m=36
